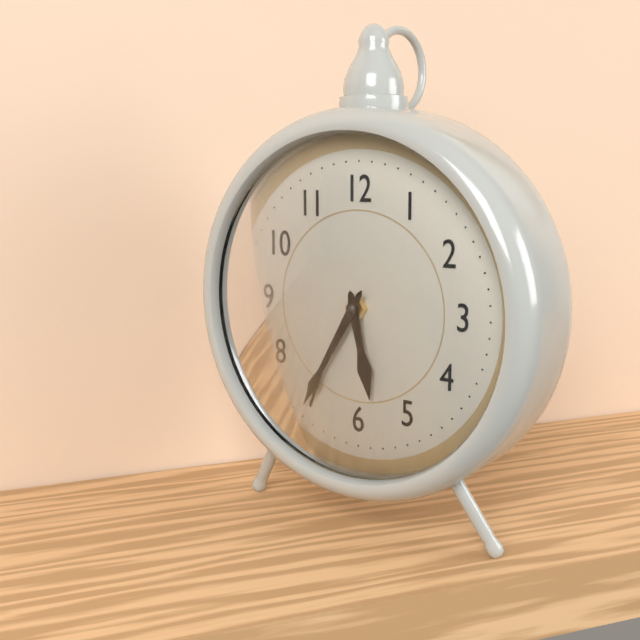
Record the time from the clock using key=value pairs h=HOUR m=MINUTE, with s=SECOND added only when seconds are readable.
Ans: h=5 m=35
